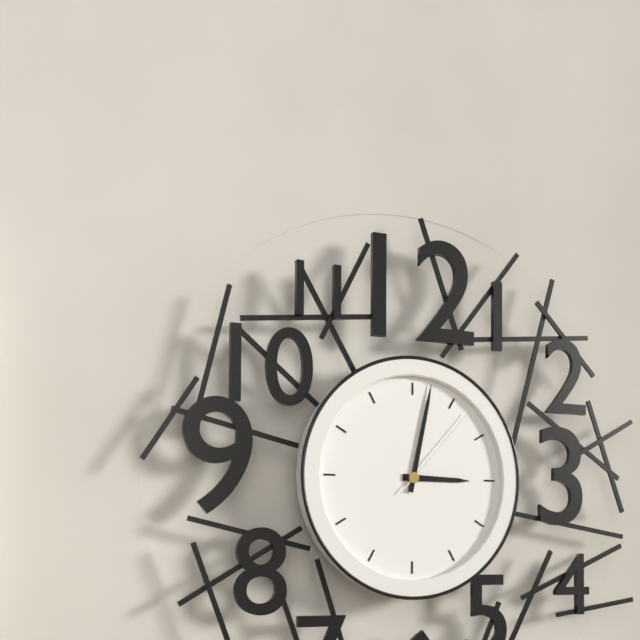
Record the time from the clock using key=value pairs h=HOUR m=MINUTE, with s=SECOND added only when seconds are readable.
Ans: h=3 m=2 s=7
